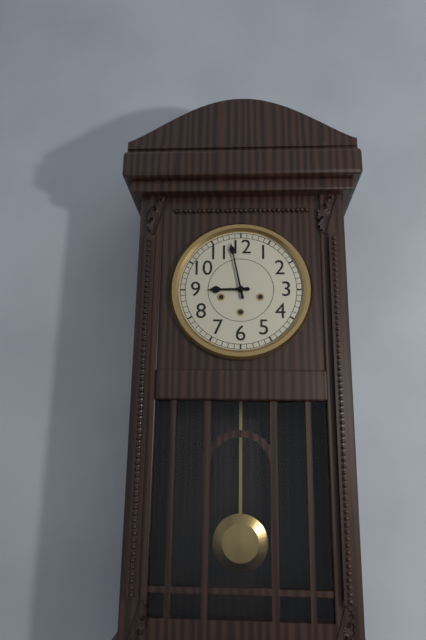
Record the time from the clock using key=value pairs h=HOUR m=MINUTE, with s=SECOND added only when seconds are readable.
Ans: h=8 m=58
